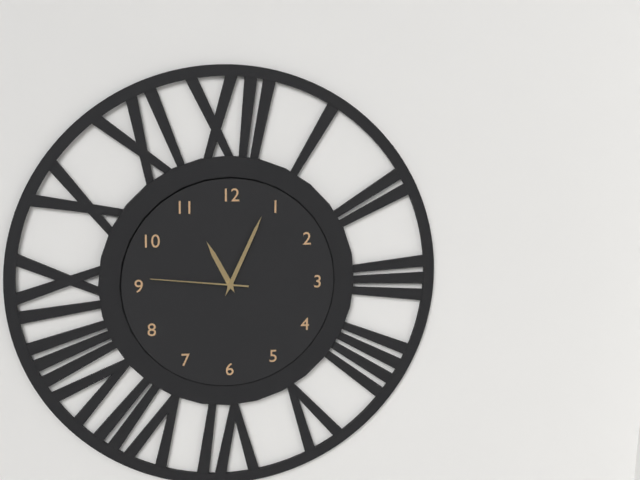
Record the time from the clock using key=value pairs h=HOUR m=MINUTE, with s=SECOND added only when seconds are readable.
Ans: h=11 m=4 s=46
